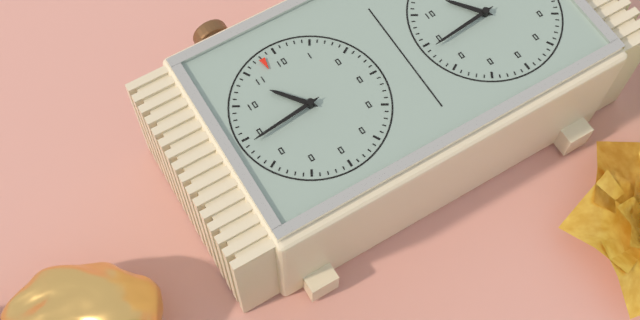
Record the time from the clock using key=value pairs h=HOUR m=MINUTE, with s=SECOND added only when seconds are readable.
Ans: h=10 m=44
